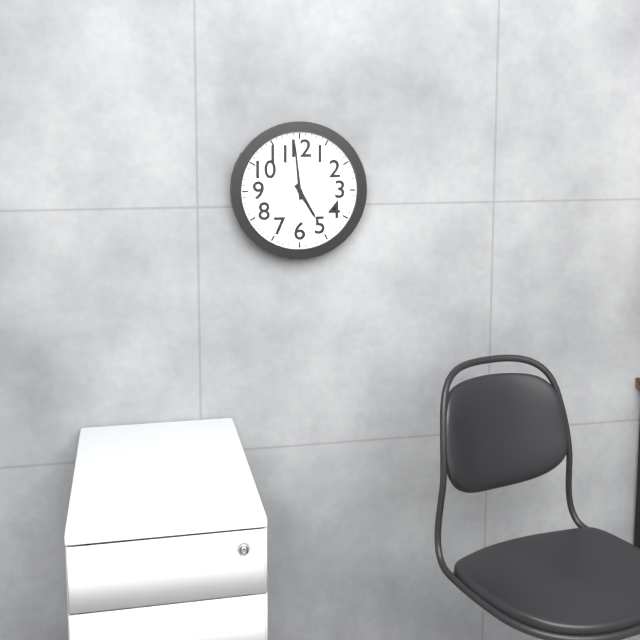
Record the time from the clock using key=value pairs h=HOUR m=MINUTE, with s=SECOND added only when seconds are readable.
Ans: h=4 m=59
